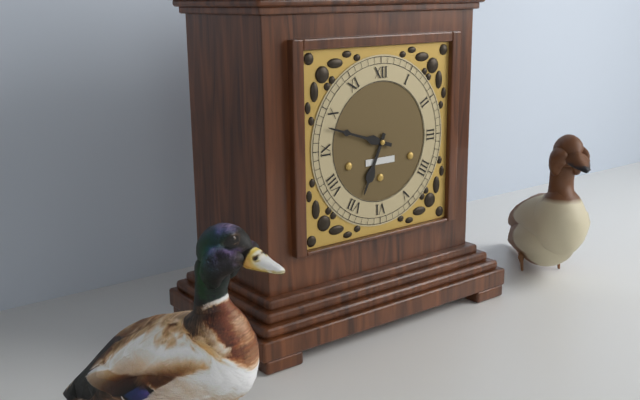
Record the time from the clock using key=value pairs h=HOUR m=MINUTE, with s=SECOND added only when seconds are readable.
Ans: h=6 m=48
